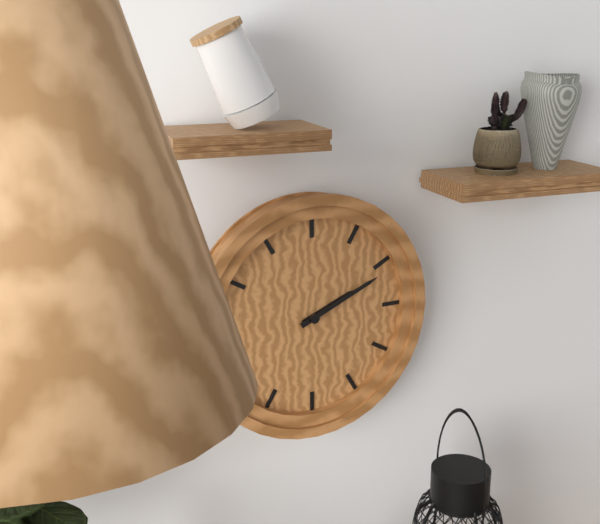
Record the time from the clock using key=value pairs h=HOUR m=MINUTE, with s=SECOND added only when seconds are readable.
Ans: h=2 m=11
